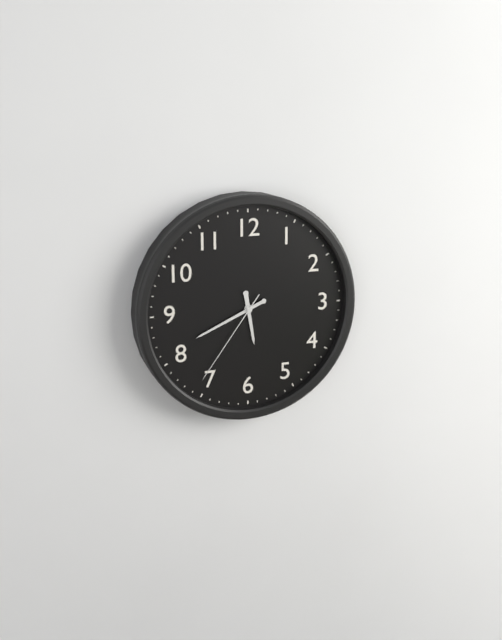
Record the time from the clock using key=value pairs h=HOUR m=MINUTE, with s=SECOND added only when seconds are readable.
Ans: h=5 m=41 s=36
